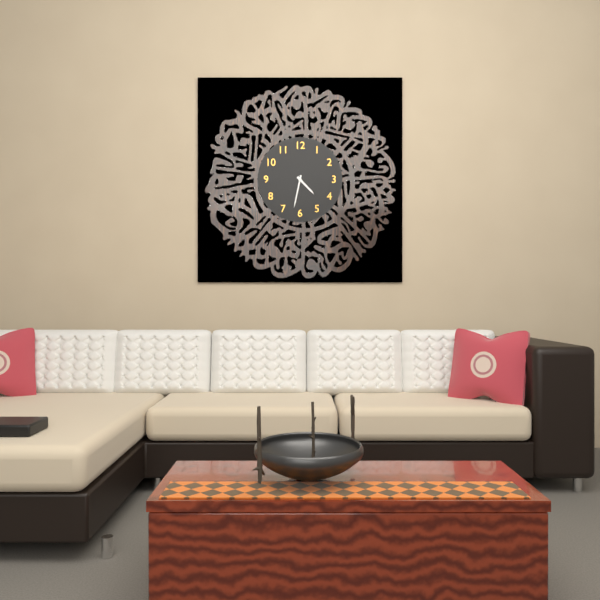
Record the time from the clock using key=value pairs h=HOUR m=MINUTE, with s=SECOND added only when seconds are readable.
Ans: h=4 m=32
